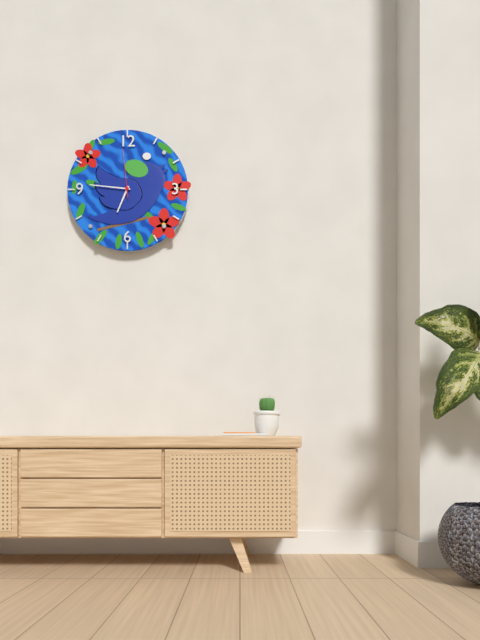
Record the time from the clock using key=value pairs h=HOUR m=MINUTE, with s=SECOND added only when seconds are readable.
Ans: h=6 m=46 s=59
